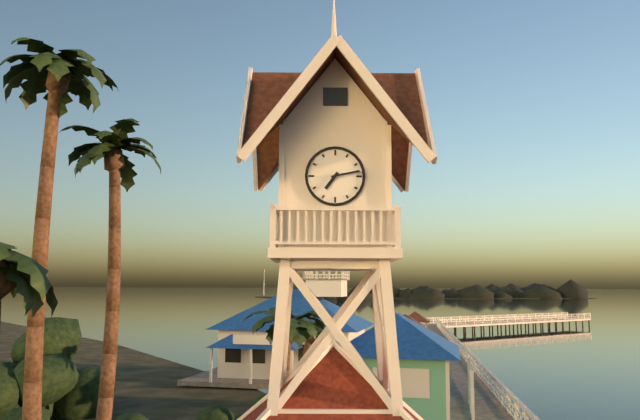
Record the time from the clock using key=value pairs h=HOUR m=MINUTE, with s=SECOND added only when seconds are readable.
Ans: h=7 m=13
